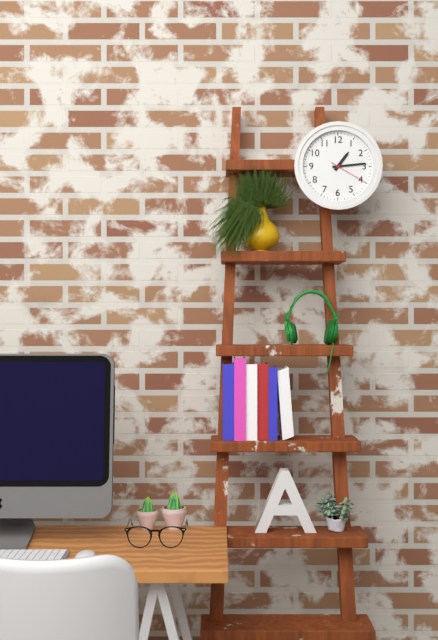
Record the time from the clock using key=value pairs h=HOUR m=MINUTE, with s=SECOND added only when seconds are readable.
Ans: h=1 m=14
